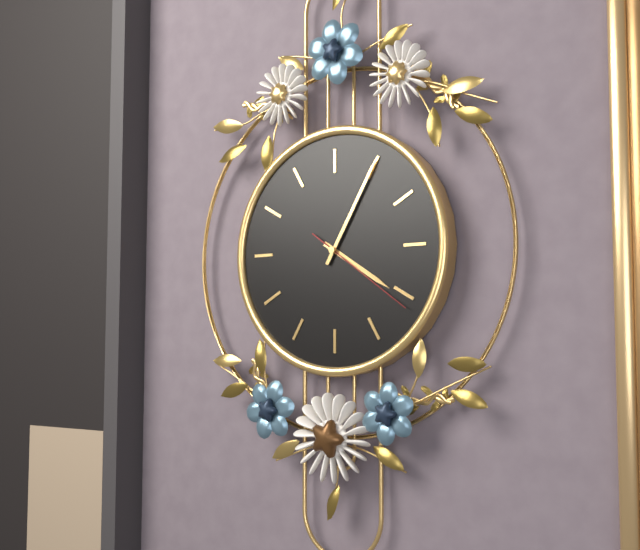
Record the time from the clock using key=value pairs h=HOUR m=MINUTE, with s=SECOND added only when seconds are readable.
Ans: h=4 m=5 s=21
